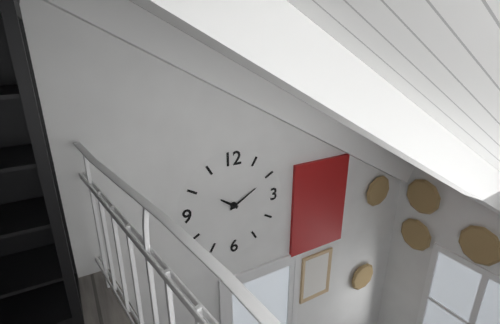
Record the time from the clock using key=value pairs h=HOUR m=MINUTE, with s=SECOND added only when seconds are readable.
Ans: h=10 m=10
